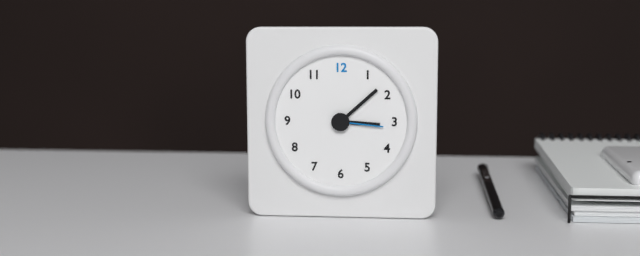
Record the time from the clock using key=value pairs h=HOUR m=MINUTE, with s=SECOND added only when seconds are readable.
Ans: h=3 m=8 s=16
